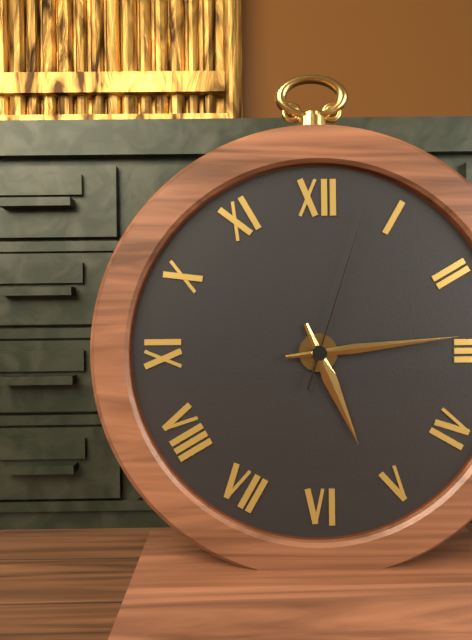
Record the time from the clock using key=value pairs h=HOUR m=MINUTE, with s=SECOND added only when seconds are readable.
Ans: h=5 m=14 s=3
